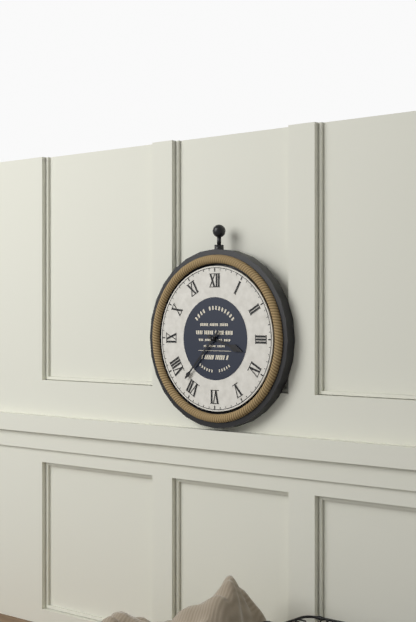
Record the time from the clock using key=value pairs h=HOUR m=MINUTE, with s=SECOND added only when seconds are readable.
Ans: h=3 m=37
